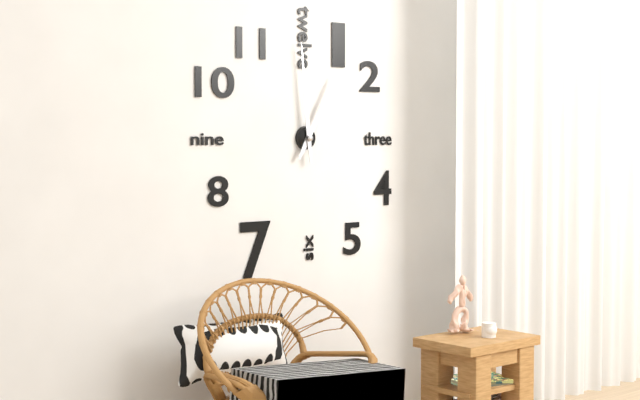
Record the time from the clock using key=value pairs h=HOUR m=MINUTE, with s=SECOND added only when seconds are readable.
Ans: h=12 m=59
